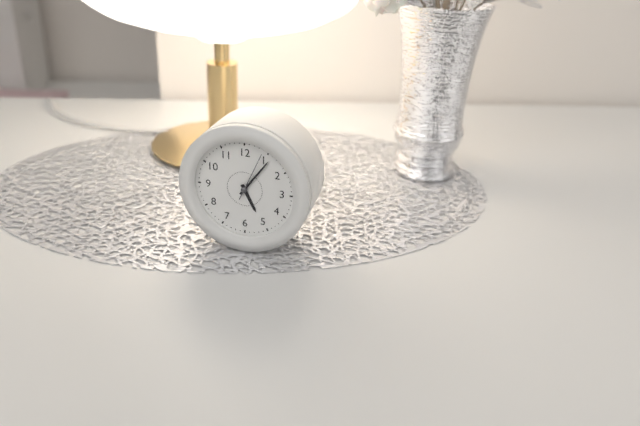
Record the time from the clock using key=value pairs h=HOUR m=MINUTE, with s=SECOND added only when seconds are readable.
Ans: h=5 m=6
